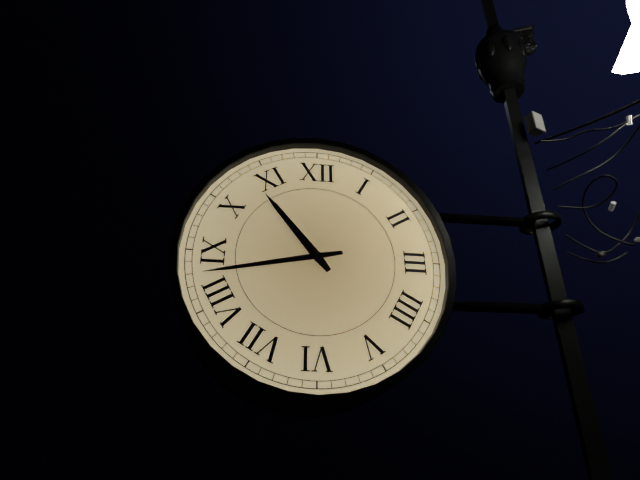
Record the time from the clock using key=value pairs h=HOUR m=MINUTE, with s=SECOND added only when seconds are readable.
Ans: h=10 m=43
